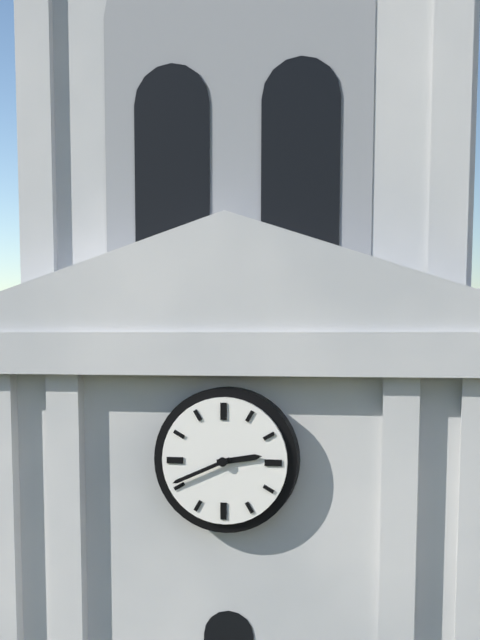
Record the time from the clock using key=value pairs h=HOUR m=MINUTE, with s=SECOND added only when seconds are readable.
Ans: h=2 m=41
